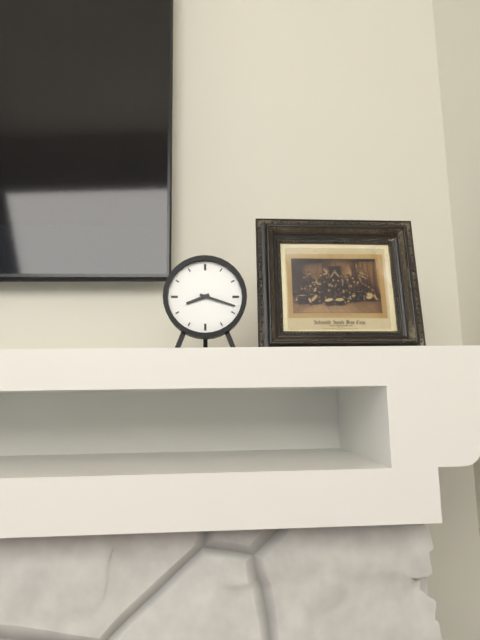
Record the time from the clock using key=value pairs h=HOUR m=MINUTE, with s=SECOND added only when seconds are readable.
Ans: h=8 m=18
